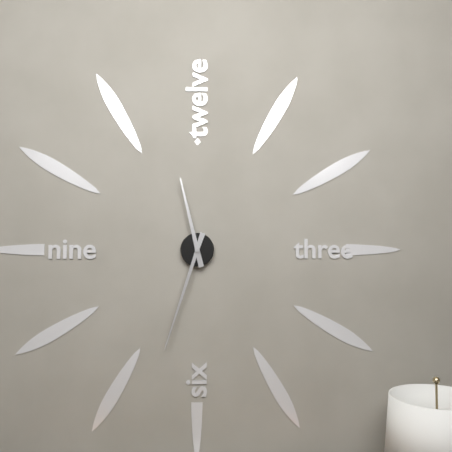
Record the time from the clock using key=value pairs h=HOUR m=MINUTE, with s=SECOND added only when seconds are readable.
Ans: h=11 m=33
